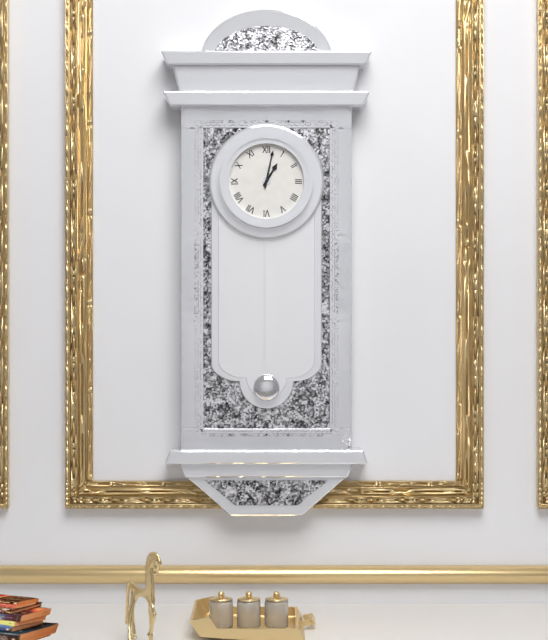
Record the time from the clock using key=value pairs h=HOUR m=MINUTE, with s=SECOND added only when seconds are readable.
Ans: h=1 m=2
